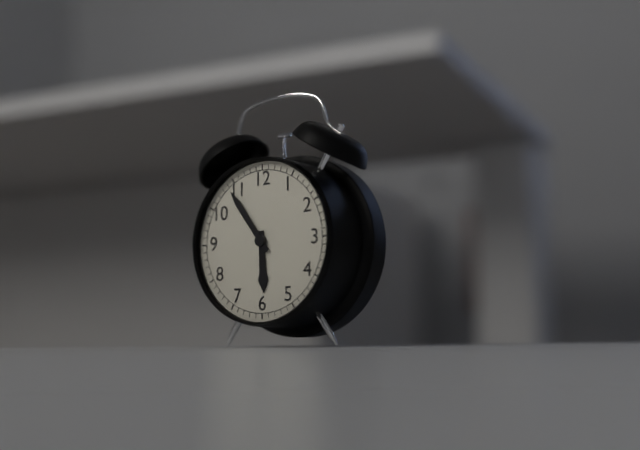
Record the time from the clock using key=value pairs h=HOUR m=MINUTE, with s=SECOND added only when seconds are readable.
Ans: h=5 m=54
